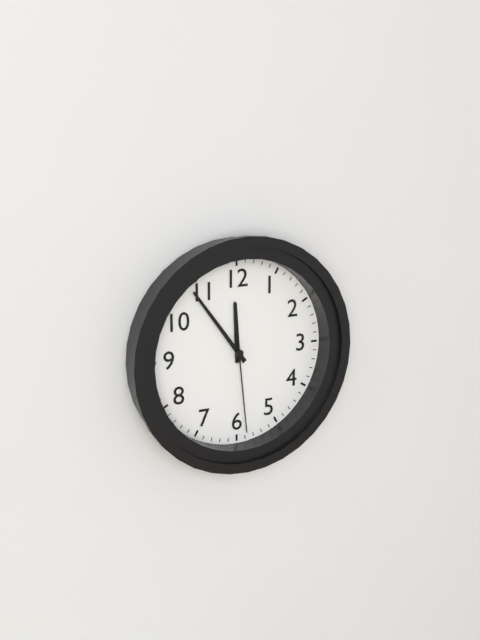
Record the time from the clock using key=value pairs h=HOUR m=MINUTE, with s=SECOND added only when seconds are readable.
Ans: h=11 m=54 s=29
